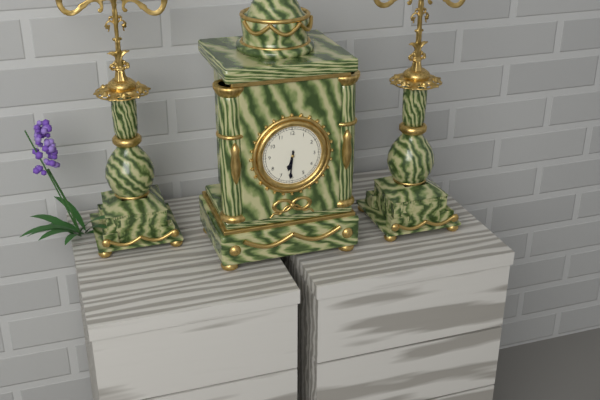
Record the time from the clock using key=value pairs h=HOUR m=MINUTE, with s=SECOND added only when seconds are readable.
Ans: h=6 m=31
